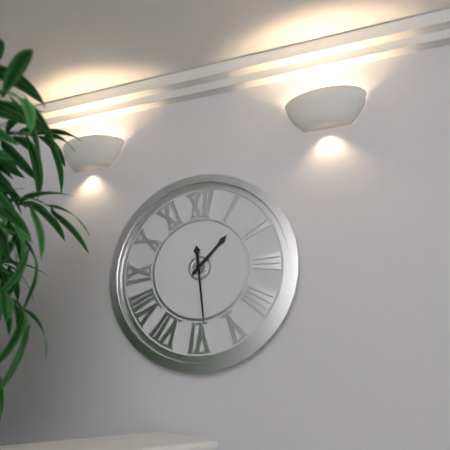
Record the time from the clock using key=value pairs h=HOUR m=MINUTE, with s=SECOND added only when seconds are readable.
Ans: h=1 m=29
